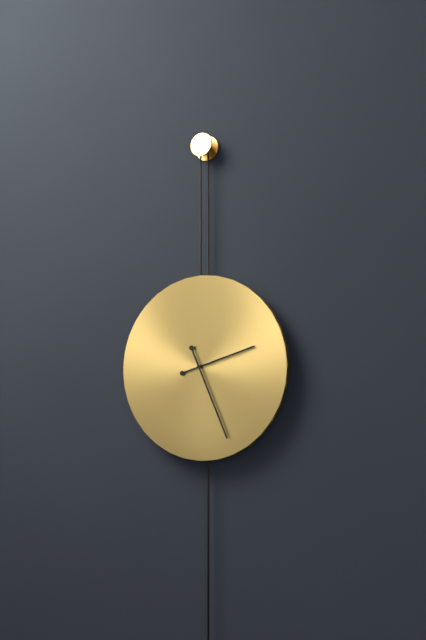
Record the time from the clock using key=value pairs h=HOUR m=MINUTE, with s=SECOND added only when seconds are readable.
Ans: h=2 m=26
